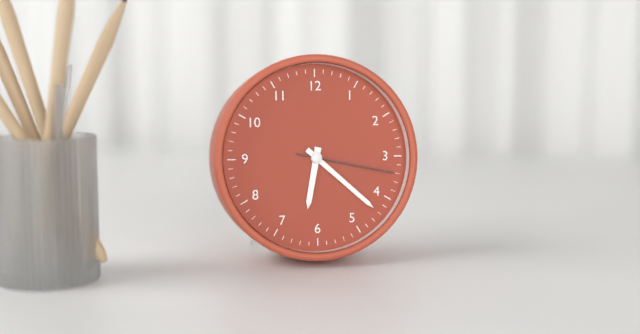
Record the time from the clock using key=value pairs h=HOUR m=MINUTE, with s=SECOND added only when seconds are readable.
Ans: h=6 m=22 s=17
